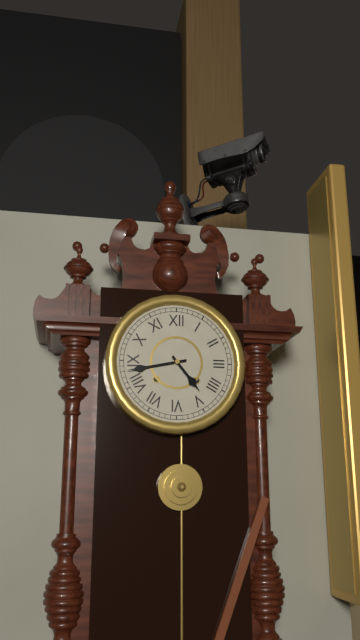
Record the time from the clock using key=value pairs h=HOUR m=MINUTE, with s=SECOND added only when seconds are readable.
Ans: h=4 m=43
